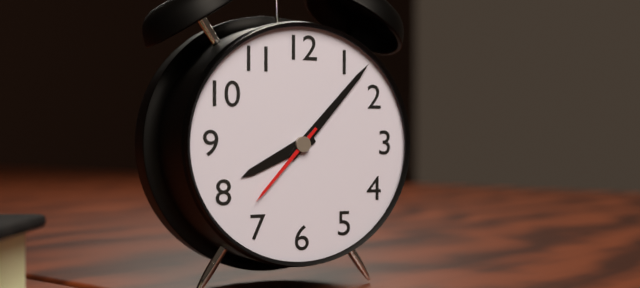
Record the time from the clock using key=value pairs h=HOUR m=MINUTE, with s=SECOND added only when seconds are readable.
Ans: h=8 m=7 s=37
